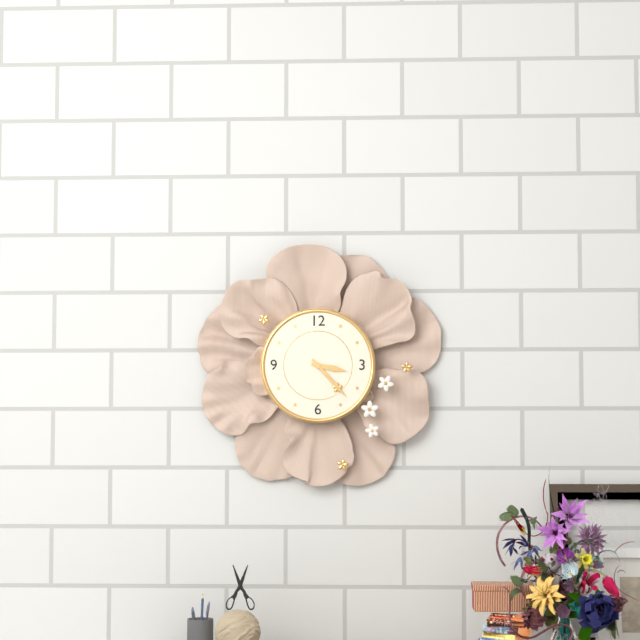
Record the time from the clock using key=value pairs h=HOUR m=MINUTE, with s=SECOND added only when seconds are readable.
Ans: h=3 m=23
